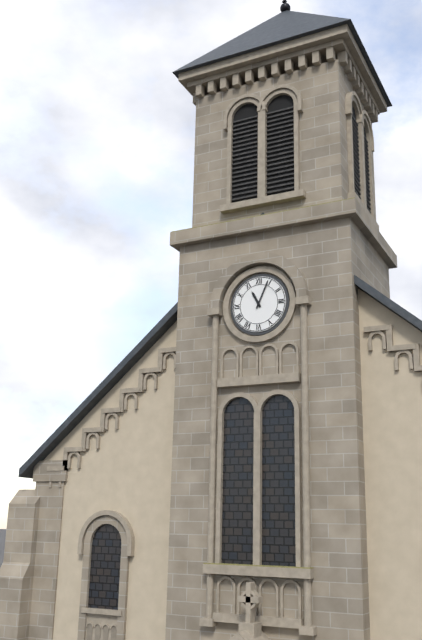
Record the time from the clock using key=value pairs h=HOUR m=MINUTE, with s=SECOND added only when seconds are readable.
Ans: h=11 m=4
